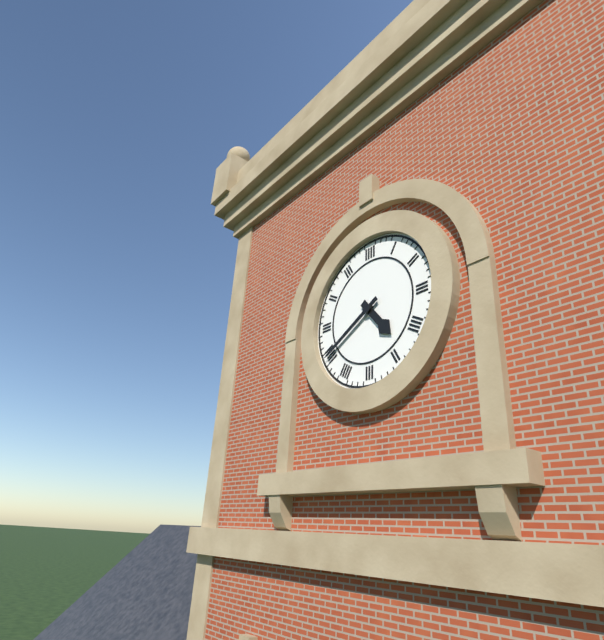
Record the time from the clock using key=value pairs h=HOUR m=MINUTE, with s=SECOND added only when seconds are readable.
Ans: h=4 m=40
